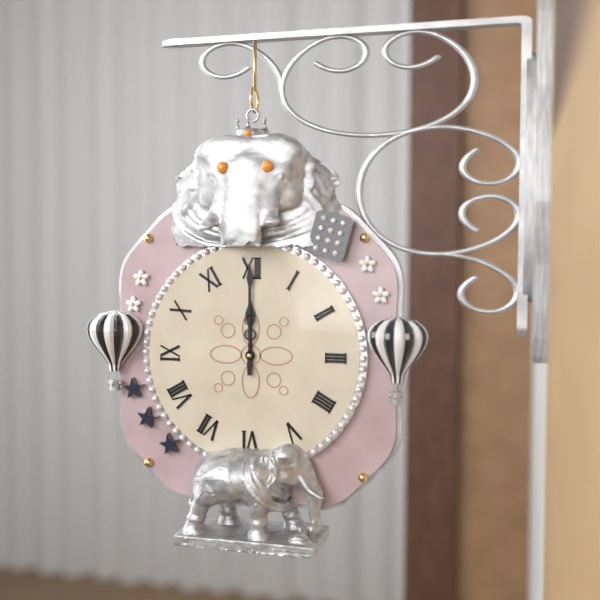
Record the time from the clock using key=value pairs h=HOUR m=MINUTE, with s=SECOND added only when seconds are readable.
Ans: h=12 m=0
